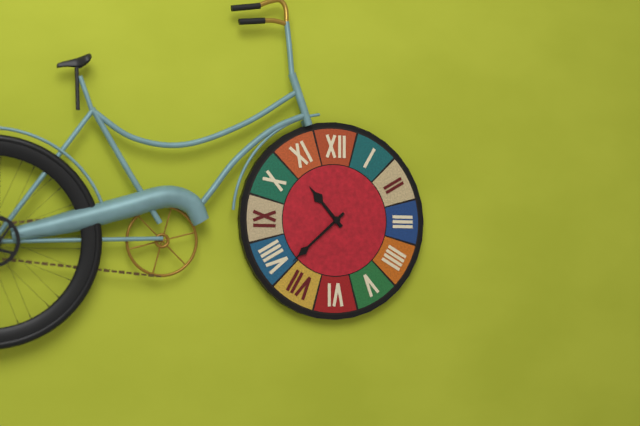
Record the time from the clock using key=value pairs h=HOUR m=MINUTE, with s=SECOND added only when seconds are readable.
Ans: h=10 m=38
